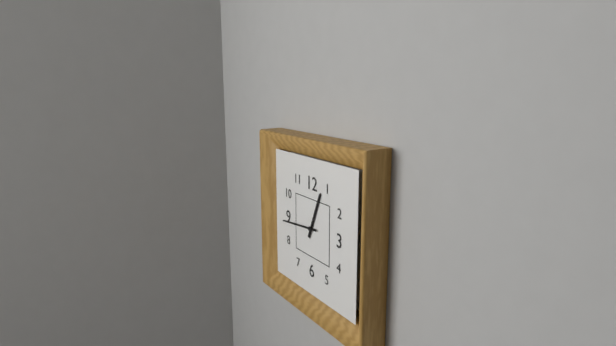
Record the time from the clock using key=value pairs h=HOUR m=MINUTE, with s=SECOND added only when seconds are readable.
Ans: h=12 m=44
